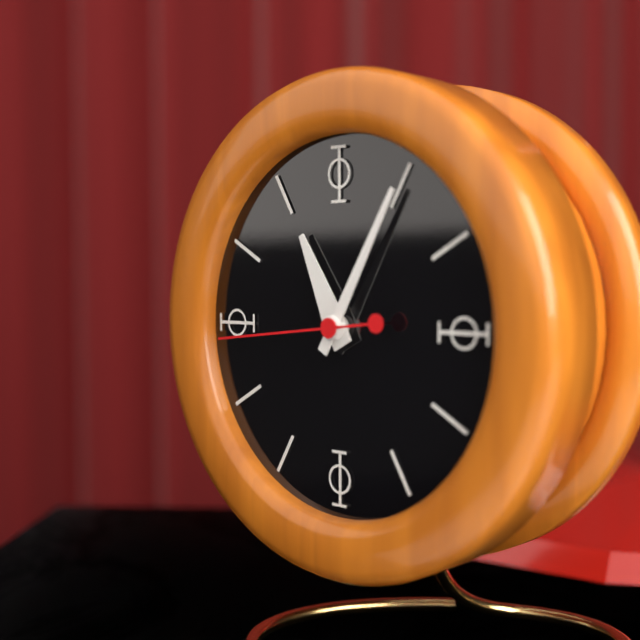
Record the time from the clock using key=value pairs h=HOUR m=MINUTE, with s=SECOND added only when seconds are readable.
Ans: h=11 m=5 s=44
